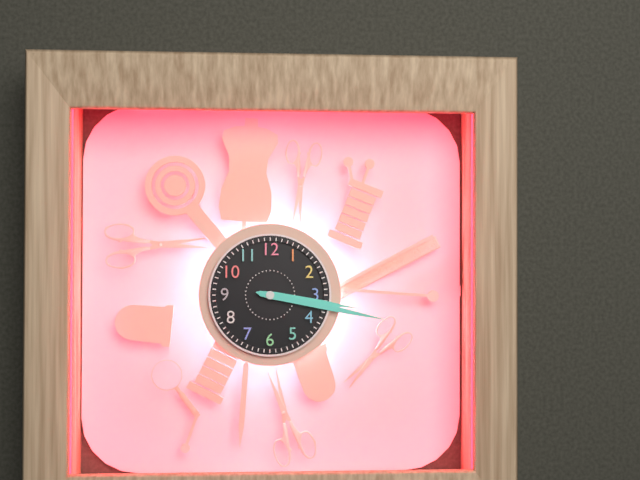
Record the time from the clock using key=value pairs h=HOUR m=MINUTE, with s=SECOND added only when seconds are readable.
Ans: h=3 m=17
